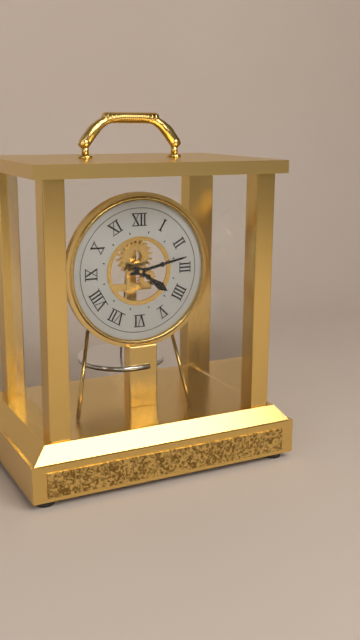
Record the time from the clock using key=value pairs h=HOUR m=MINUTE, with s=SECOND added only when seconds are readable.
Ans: h=4 m=13
